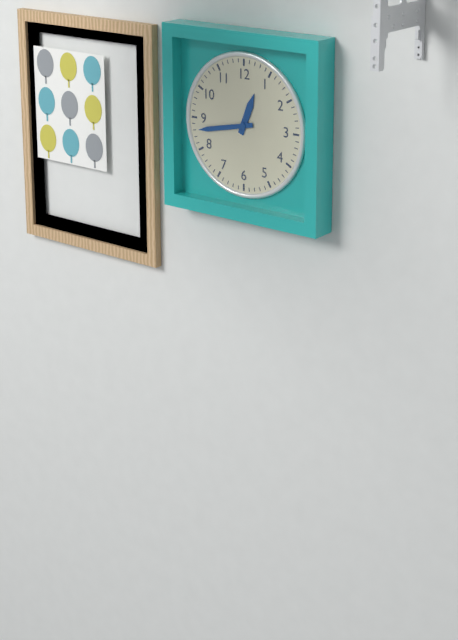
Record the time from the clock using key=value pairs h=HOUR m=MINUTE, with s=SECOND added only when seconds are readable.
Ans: h=12 m=43
